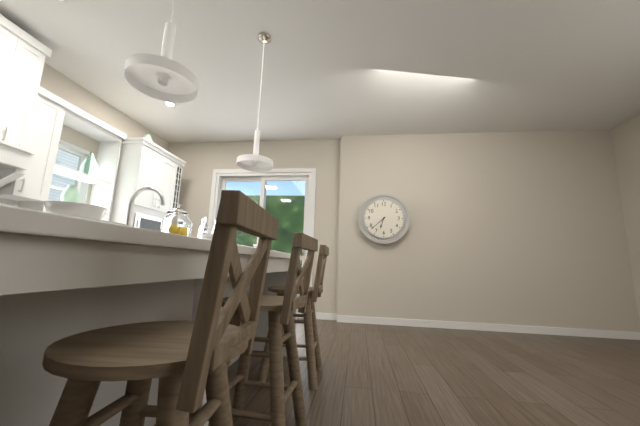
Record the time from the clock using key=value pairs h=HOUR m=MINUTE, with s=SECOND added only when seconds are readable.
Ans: h=6 m=38
